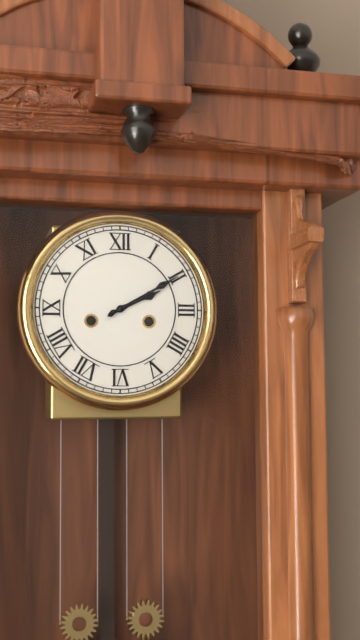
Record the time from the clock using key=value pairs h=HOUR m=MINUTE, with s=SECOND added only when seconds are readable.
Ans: h=2 m=10
